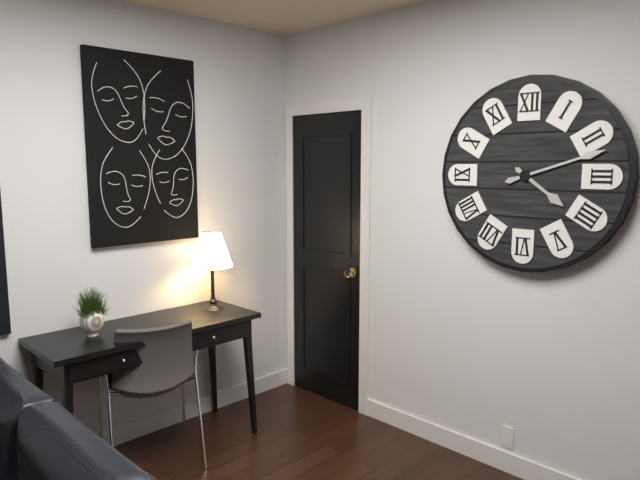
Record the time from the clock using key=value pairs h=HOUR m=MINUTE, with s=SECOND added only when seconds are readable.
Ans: h=4 m=12
